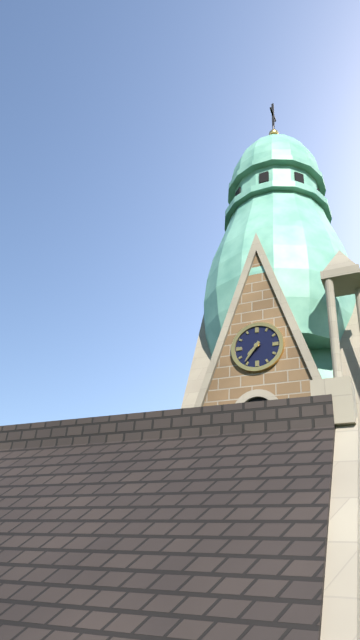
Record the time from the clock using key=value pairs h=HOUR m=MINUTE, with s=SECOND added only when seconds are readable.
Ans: h=7 m=36
